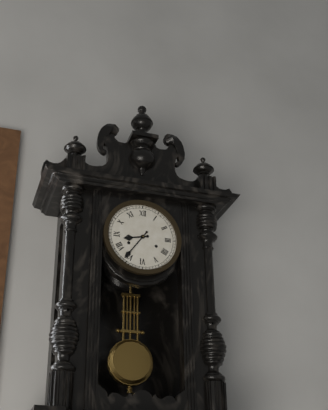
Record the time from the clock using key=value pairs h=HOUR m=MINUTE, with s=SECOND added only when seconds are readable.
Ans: h=8 m=36
